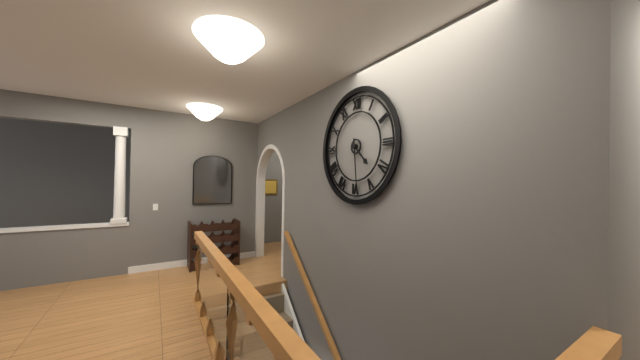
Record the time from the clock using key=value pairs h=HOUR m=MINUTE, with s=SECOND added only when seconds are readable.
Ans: h=4 m=29
